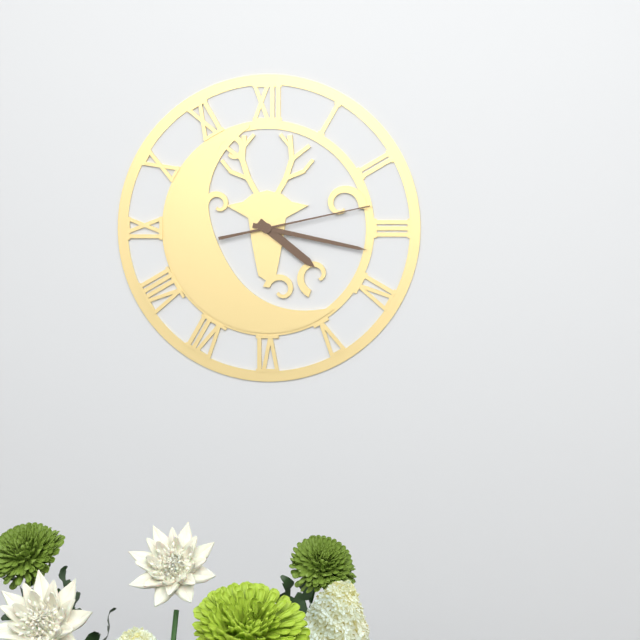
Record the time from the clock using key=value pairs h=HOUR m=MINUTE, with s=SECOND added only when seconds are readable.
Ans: h=4 m=17 s=13
